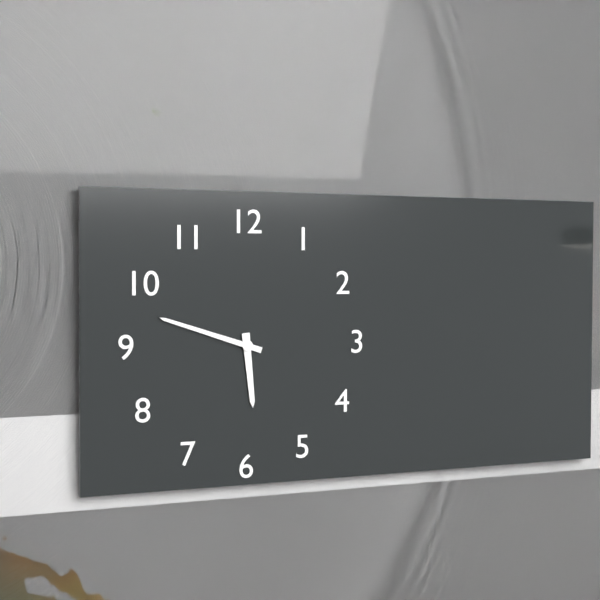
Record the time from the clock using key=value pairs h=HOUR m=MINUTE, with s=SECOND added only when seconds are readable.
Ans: h=5 m=48
